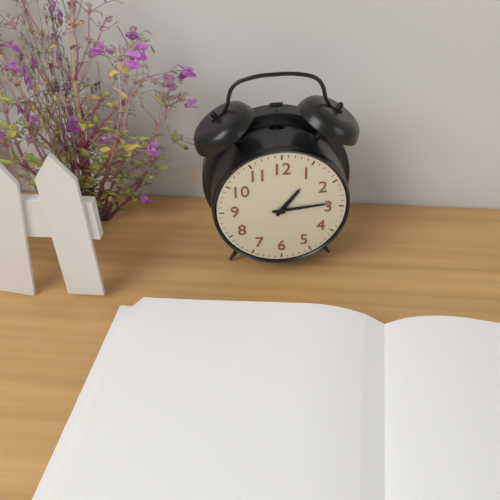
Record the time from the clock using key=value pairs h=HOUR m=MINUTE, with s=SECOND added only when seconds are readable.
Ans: h=1 m=14
